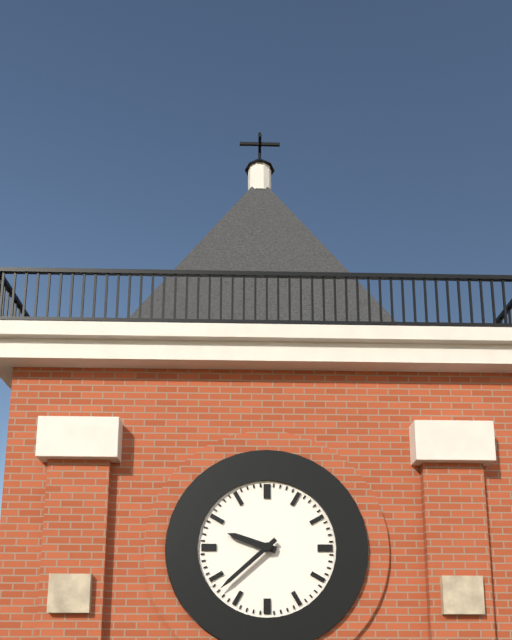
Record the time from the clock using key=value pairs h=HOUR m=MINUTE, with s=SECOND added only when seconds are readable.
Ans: h=9 m=38
